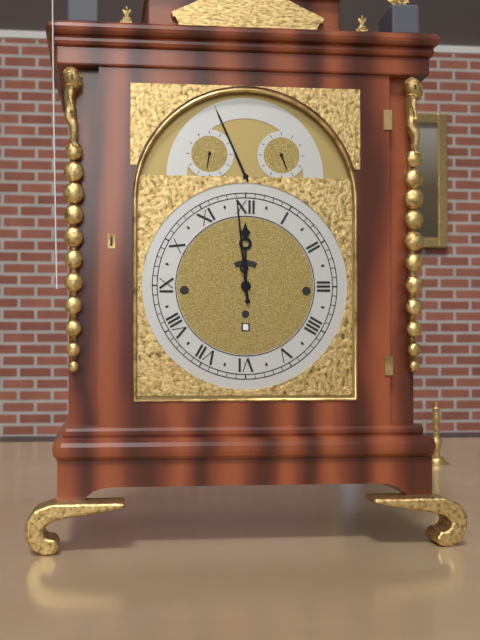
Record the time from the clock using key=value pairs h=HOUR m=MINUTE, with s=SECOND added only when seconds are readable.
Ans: h=11 m=59
